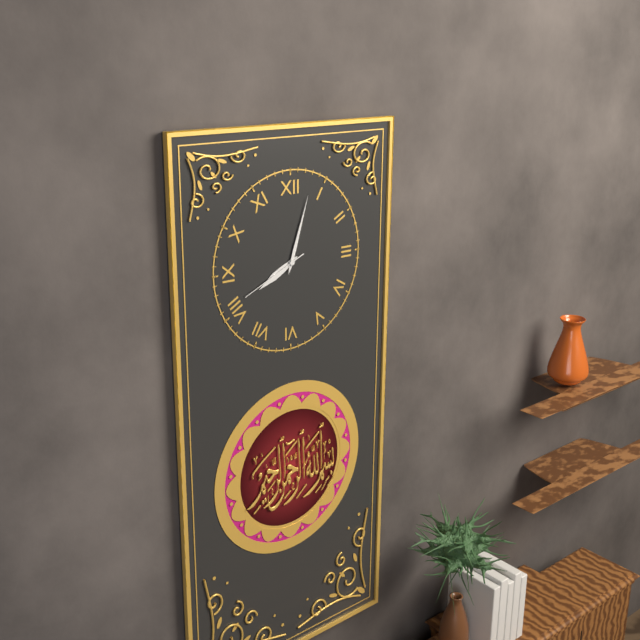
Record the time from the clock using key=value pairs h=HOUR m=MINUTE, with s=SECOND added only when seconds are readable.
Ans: h=8 m=3 s=41
